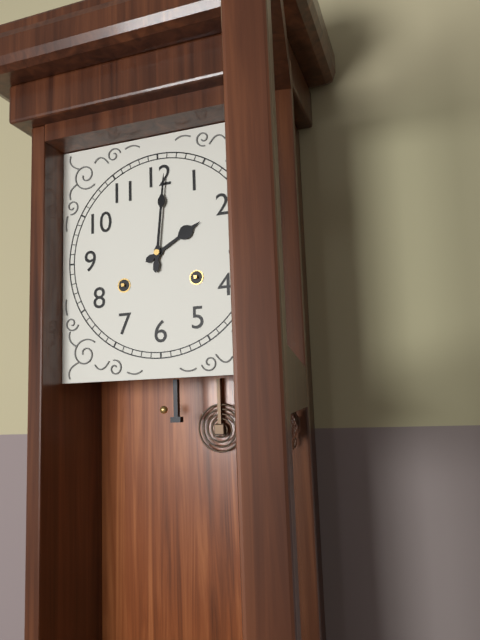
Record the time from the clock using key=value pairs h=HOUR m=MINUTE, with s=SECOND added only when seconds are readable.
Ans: h=2 m=1
